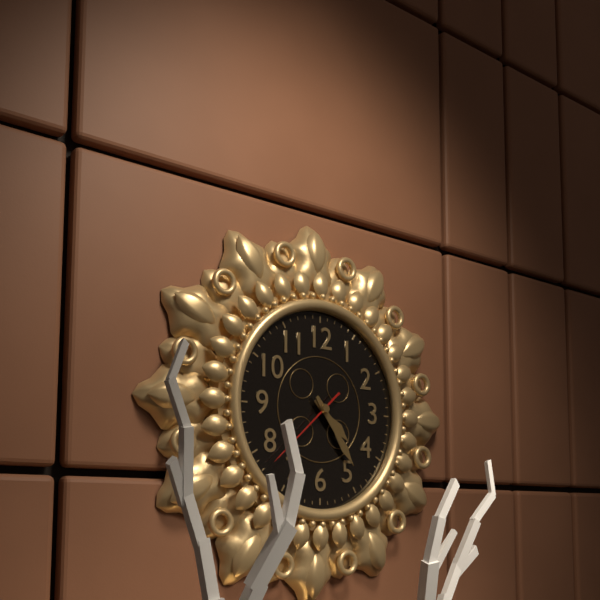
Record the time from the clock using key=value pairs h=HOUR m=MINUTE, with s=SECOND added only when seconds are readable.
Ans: h=4 m=24 s=38
